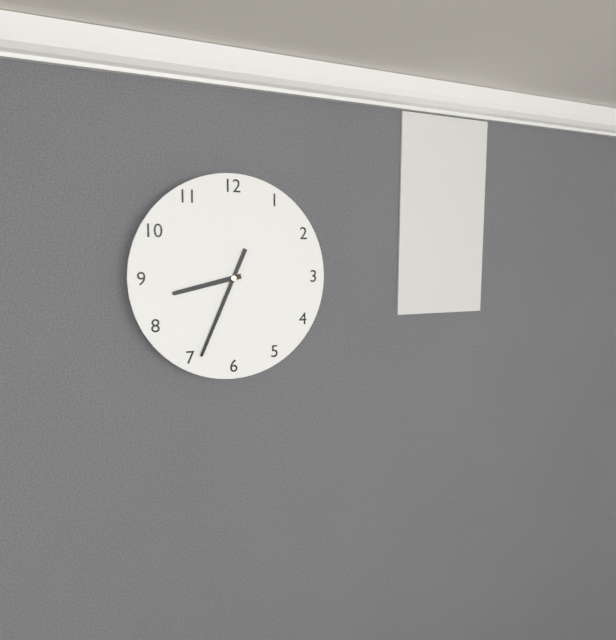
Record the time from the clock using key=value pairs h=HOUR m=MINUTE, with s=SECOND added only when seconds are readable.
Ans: h=8 m=34
